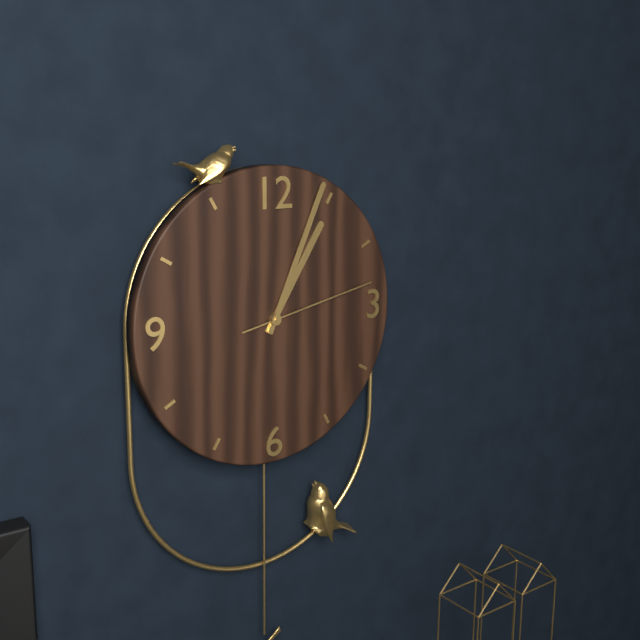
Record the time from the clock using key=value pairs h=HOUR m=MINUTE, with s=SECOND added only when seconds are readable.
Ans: h=1 m=4 s=13
